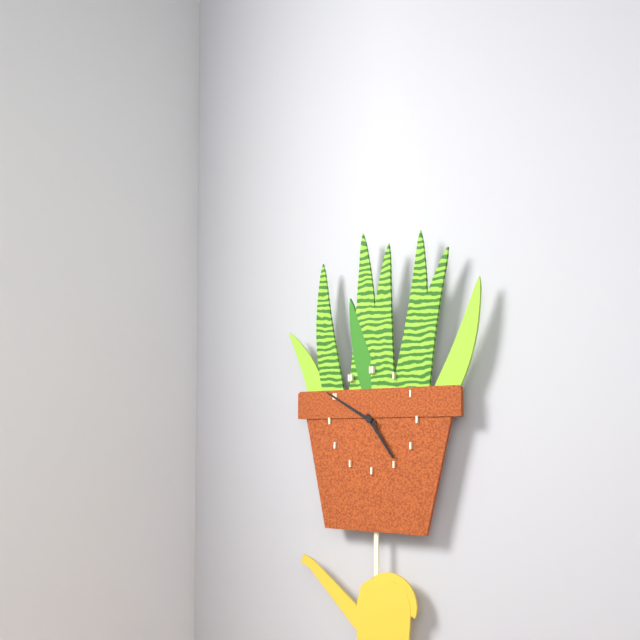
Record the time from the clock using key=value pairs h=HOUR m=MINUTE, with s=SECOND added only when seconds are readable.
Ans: h=4 m=50
